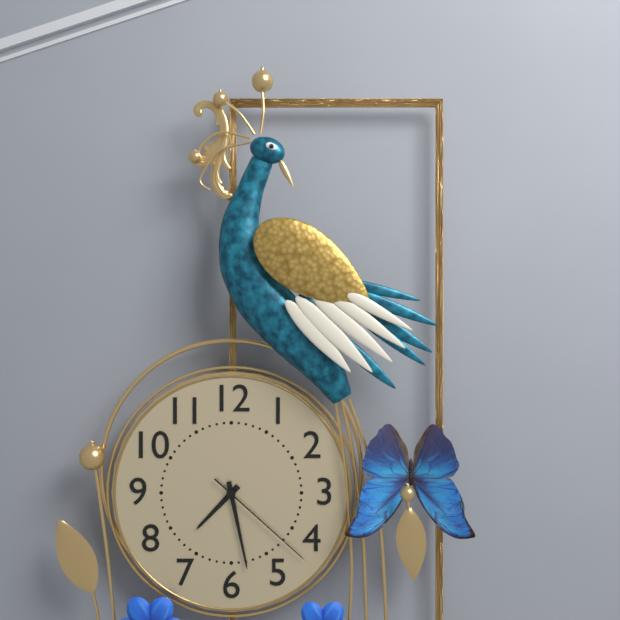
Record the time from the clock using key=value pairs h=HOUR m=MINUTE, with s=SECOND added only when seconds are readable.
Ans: h=7 m=28 s=22
